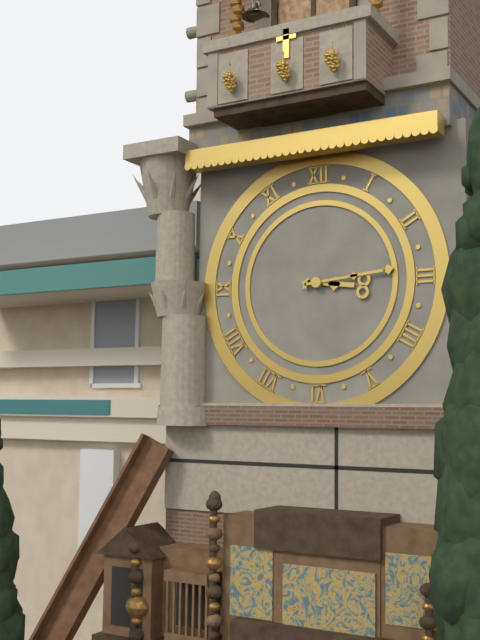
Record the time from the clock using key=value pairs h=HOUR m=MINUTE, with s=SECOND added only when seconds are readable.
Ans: h=3 m=14
